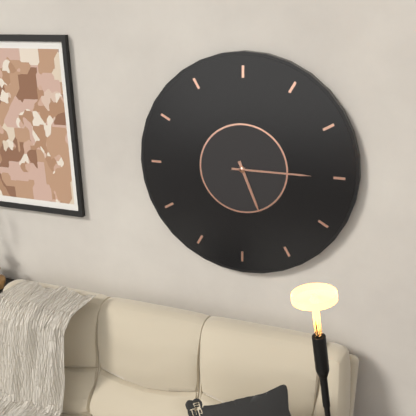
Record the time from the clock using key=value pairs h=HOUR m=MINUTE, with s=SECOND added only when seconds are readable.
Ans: h=5 m=15
